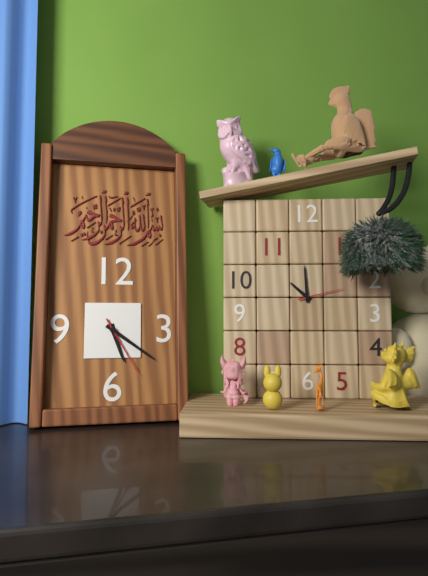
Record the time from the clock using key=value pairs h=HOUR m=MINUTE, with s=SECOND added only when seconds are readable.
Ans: h=5 m=21 s=25
